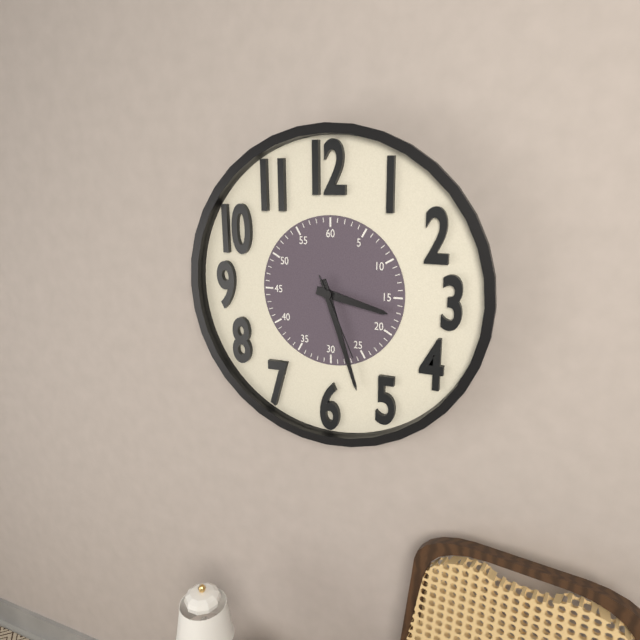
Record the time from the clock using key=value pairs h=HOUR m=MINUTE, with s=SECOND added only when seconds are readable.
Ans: h=3 m=27 s=26
